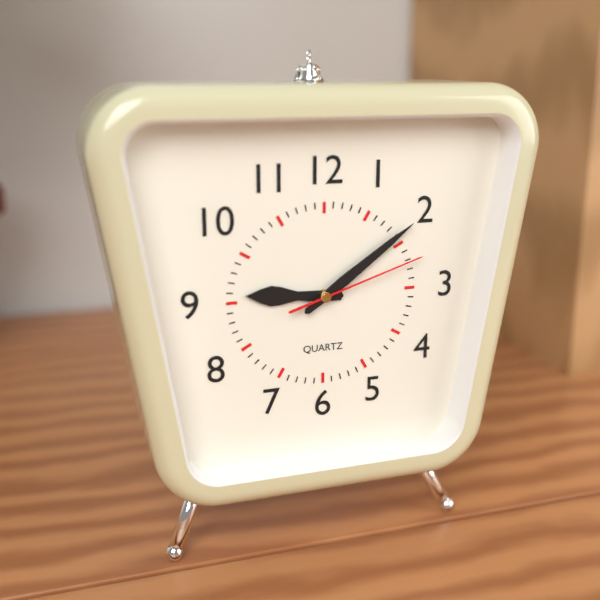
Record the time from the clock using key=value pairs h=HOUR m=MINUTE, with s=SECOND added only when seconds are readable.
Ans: h=9 m=9 s=12
